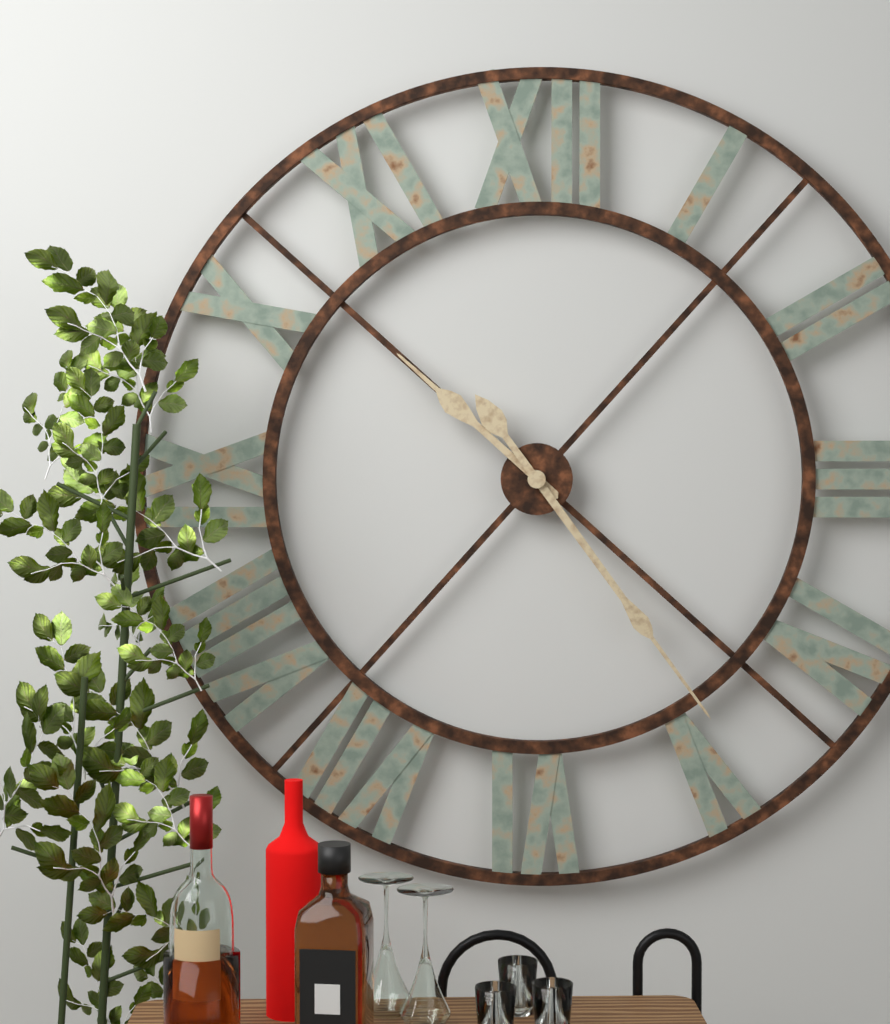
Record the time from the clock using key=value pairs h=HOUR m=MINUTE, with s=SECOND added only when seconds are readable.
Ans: h=10 m=24
